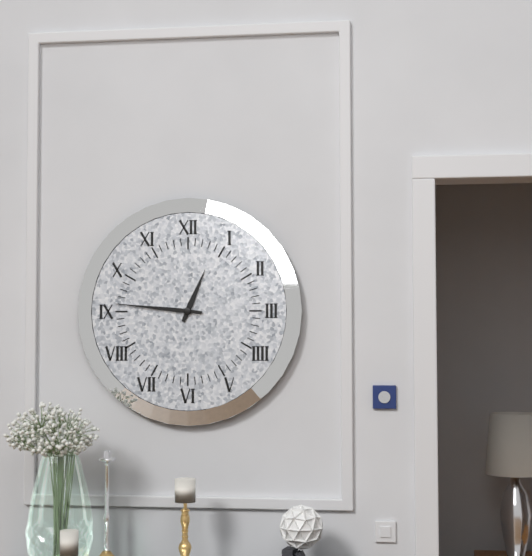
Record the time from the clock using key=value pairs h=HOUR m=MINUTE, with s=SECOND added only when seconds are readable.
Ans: h=12 m=46
